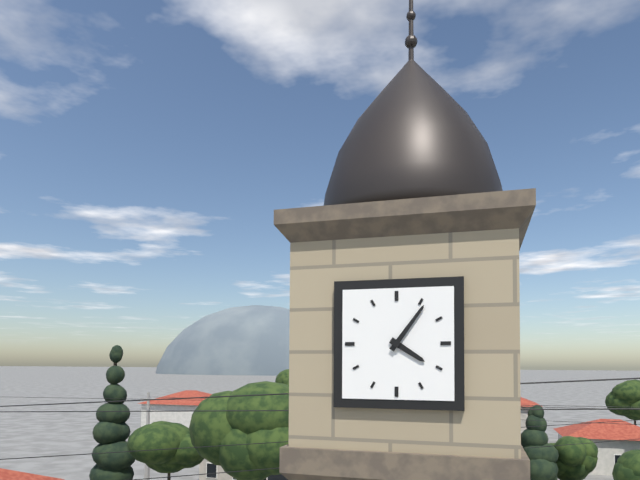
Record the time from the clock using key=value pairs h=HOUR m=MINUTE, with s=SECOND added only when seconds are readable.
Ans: h=4 m=6
